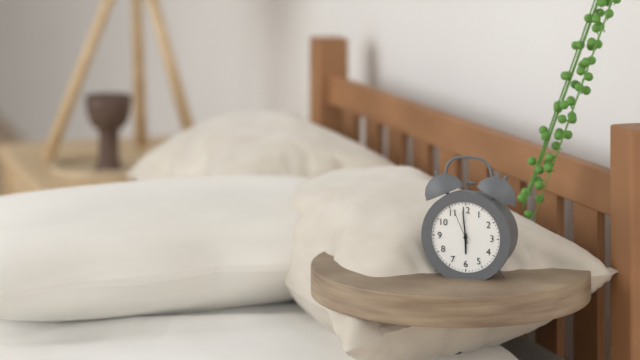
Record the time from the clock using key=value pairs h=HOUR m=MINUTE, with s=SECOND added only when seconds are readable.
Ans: h=5 m=59
